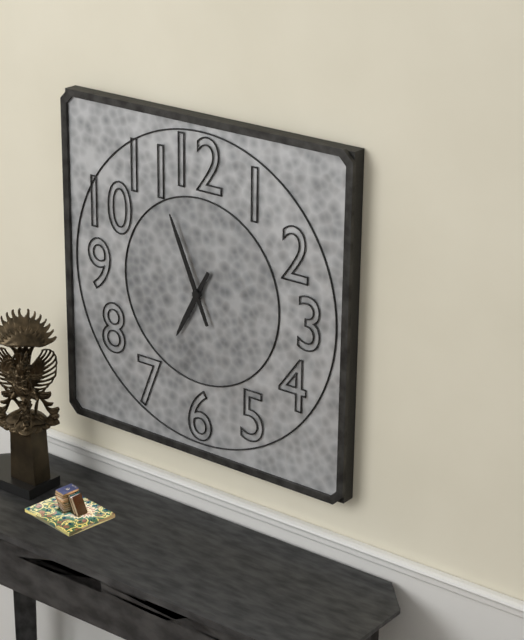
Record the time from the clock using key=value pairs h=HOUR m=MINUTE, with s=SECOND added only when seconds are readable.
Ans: h=6 m=56
